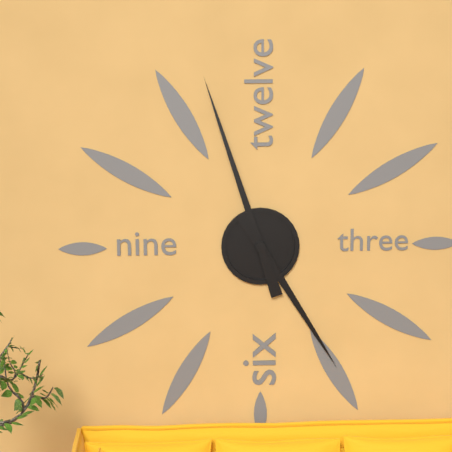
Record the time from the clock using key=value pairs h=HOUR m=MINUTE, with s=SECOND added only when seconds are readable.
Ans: h=4 m=57
